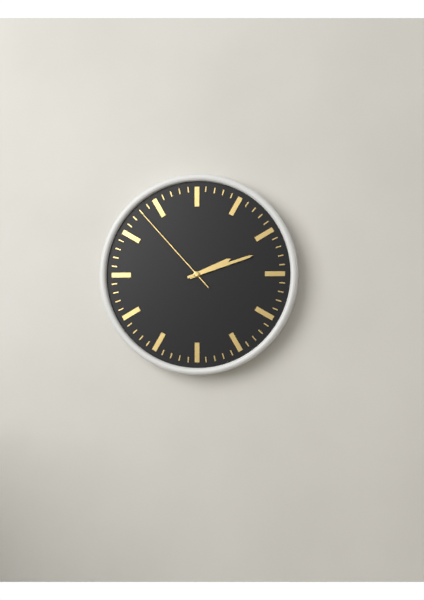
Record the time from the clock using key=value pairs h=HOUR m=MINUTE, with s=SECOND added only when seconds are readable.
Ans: h=2 m=12 s=53
